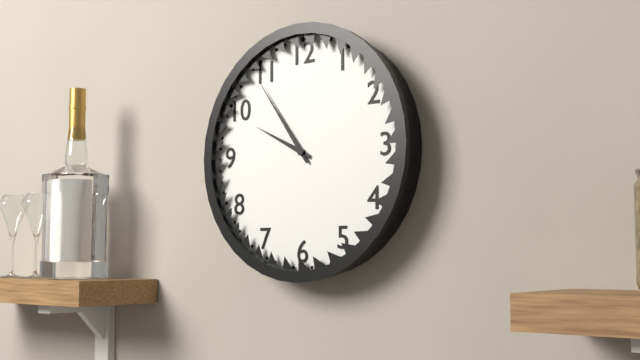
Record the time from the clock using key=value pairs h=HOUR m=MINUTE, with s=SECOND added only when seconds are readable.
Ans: h=9 m=54
